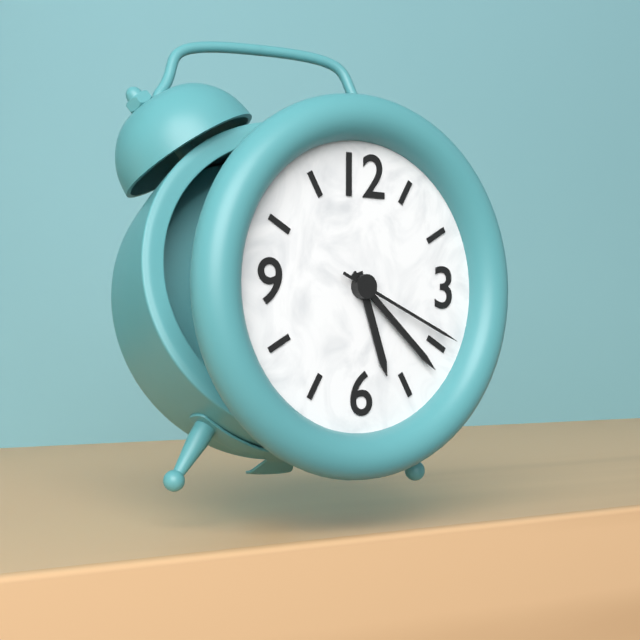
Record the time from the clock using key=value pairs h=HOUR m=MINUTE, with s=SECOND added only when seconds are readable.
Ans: h=5 m=22 s=19
